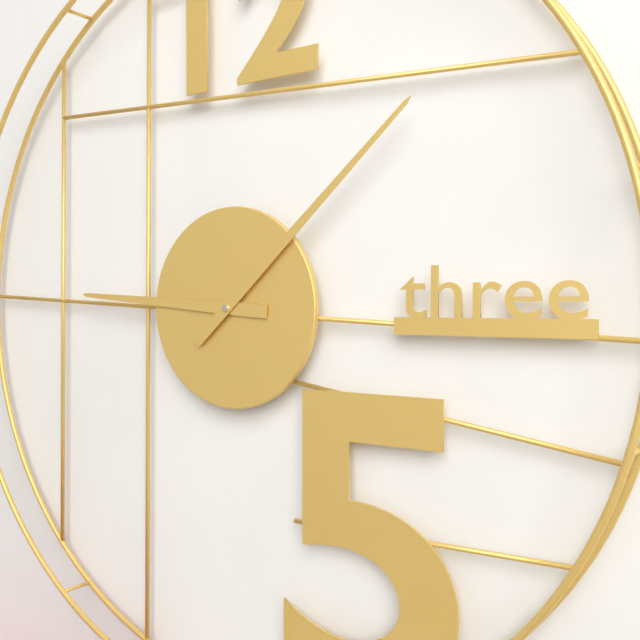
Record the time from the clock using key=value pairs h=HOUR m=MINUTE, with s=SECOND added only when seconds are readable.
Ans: h=9 m=8
